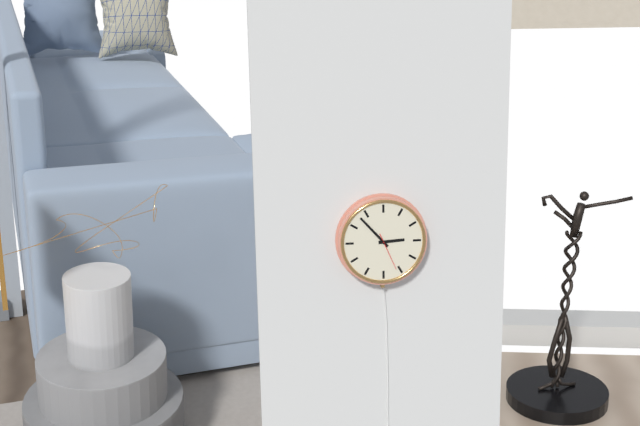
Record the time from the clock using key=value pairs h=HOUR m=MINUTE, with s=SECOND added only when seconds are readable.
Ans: h=2 m=53
